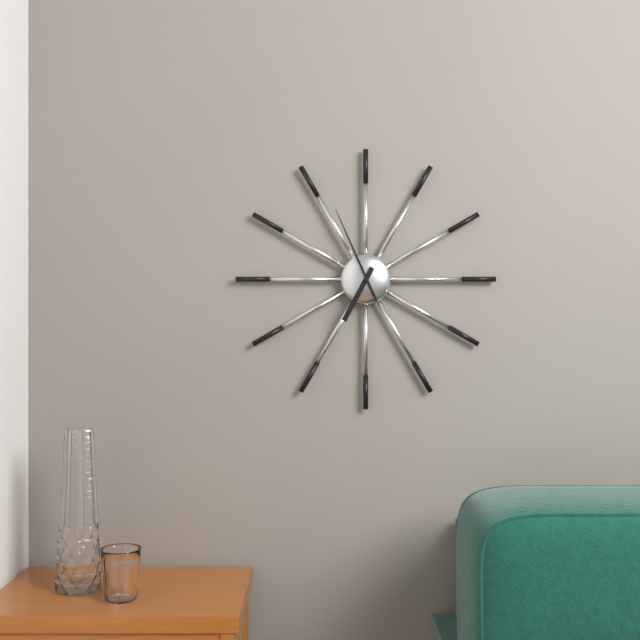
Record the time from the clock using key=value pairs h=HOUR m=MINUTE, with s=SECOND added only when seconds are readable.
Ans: h=6 m=56
